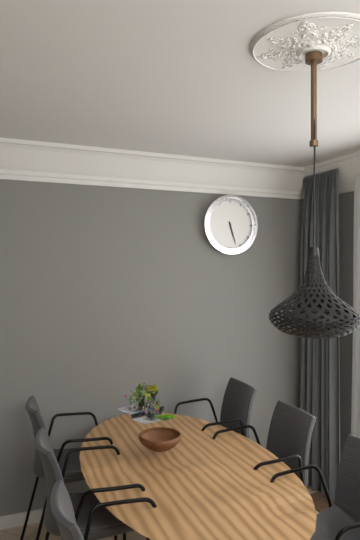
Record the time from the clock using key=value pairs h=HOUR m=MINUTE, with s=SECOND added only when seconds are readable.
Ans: h=5 m=27
